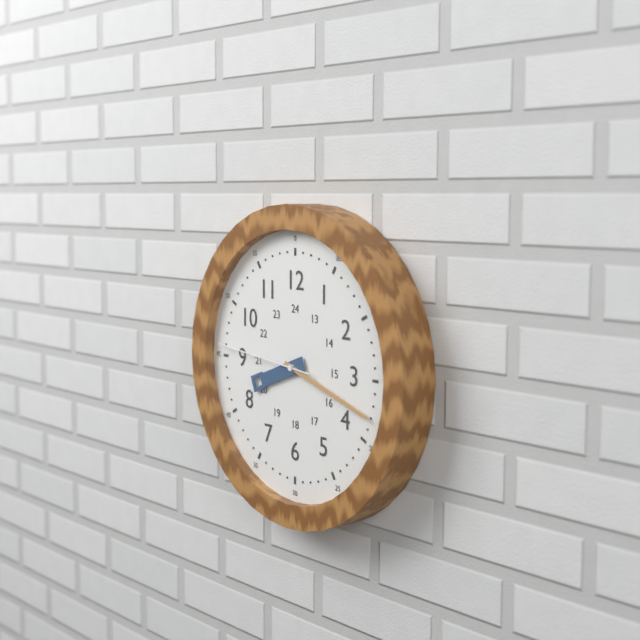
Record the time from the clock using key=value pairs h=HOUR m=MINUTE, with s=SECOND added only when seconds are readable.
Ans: h=8 m=18 s=46
